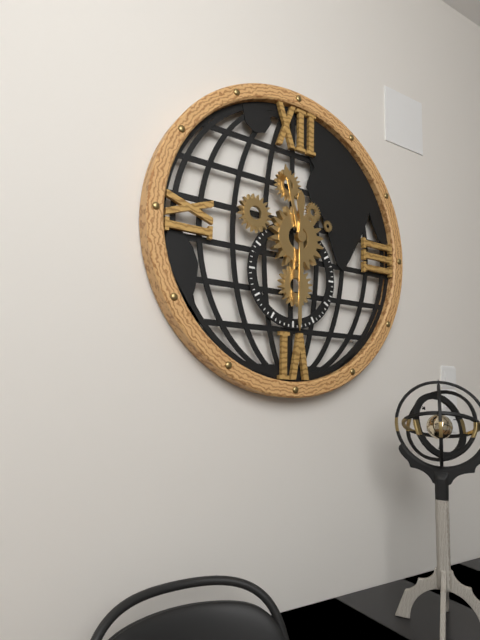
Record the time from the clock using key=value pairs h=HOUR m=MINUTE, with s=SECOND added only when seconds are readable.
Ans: h=11 m=30
